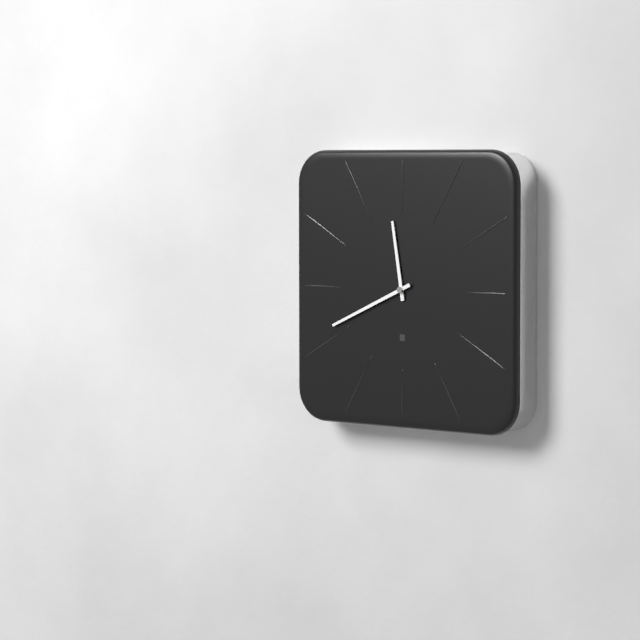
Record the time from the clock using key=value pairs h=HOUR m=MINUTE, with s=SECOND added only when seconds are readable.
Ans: h=11 m=41
